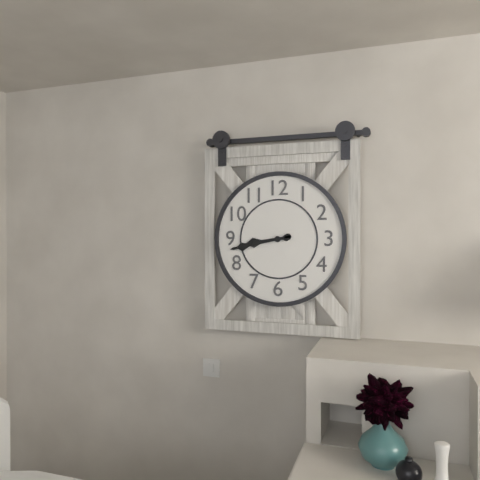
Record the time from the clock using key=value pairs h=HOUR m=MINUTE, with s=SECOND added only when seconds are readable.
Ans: h=8 m=43
